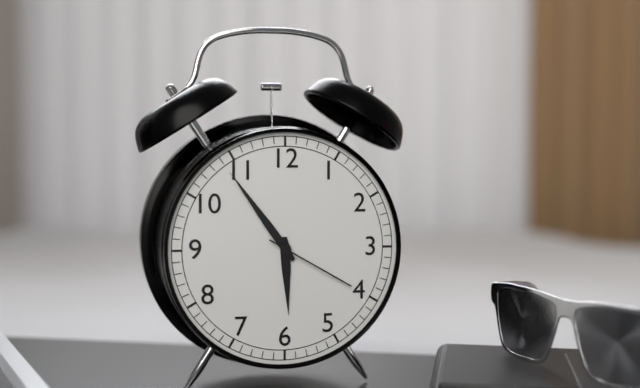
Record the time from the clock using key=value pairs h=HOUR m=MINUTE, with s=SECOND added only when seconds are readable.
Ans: h=5 m=54 s=20
